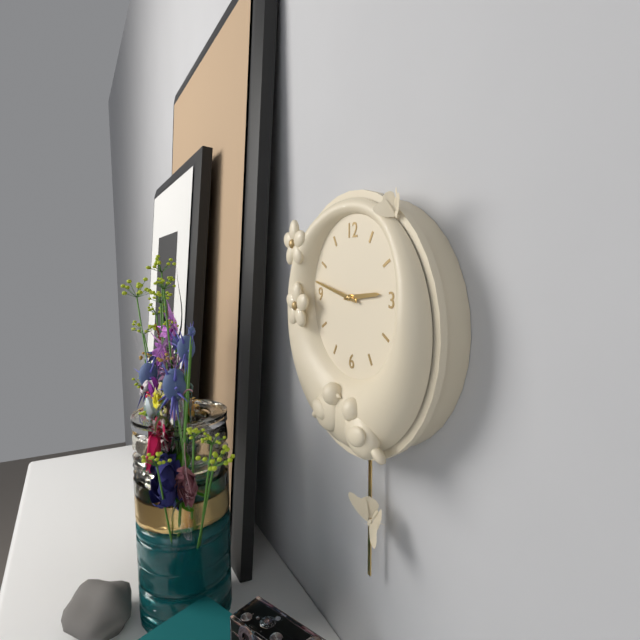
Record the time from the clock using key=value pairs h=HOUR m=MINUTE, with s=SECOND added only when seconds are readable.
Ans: h=2 m=47
